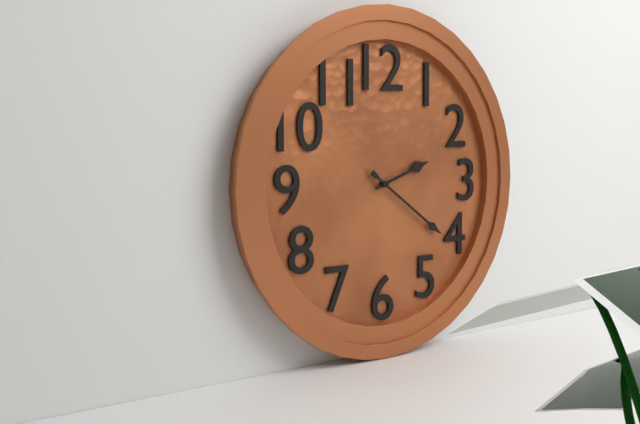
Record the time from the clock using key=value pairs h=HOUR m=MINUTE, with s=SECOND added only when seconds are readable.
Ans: h=2 m=21
